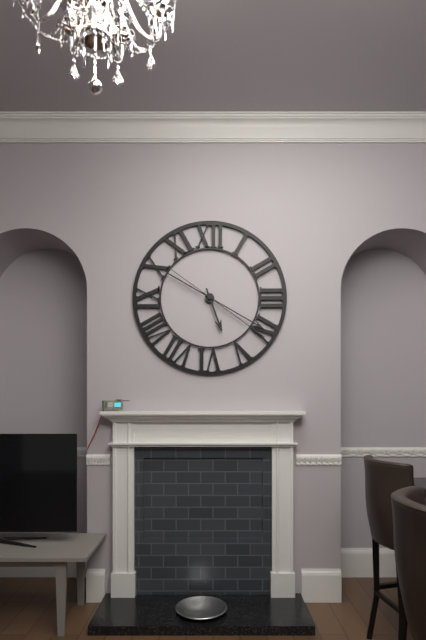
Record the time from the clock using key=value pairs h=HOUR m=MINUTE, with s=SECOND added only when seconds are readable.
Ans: h=5 m=20 s=21
